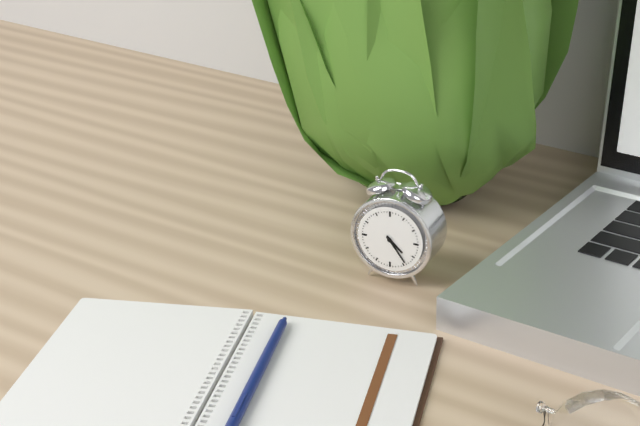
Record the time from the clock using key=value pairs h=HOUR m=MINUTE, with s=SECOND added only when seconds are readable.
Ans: h=4 m=24
